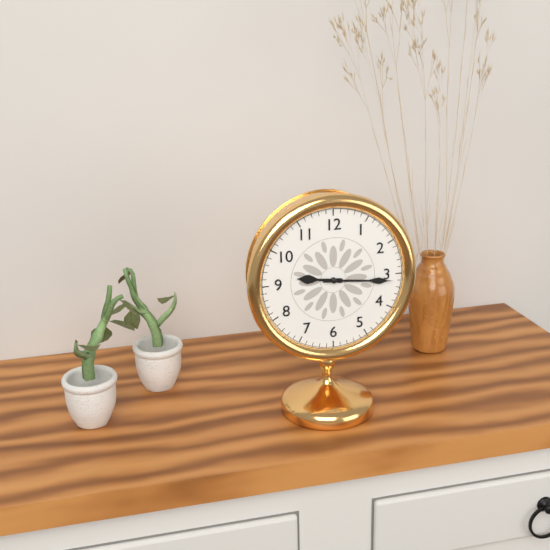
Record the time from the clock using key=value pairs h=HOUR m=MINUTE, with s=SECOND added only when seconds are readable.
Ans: h=9 m=16
